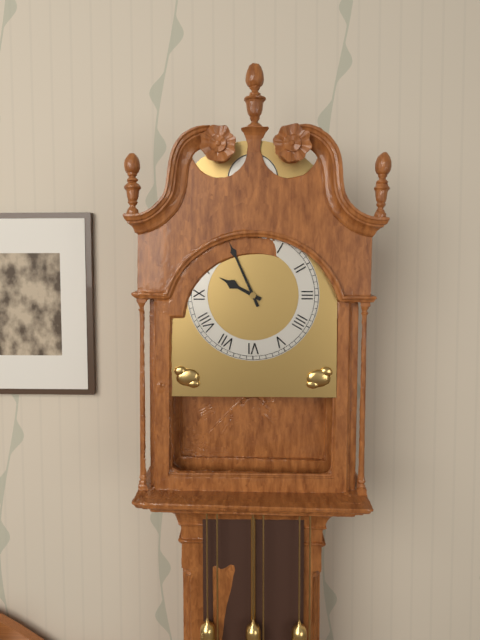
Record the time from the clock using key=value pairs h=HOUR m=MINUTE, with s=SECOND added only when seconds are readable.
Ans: h=9 m=56
